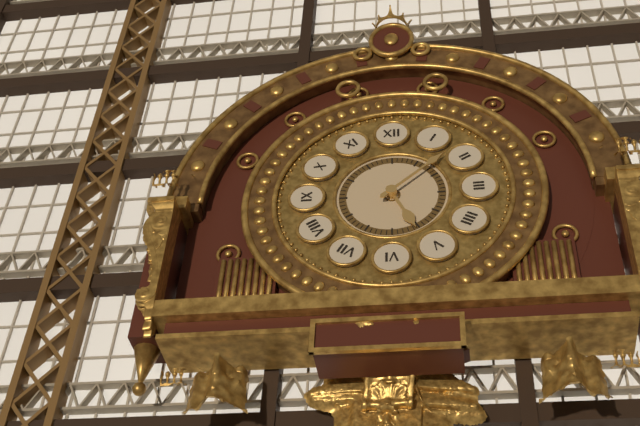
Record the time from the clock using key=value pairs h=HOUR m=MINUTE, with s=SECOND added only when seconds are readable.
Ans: h=5 m=8
